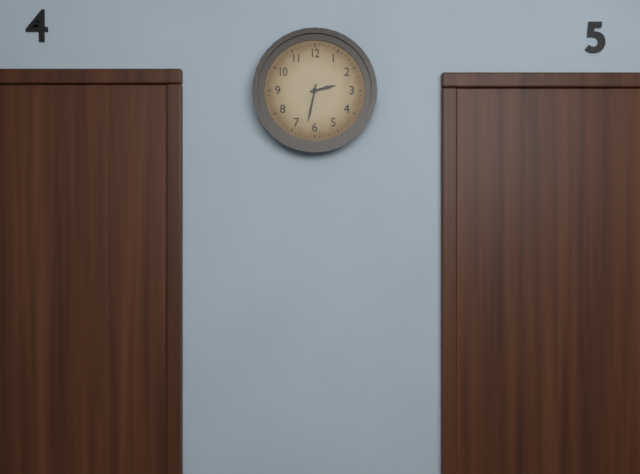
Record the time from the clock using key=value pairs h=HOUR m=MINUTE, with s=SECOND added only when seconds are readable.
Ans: h=2 m=32
